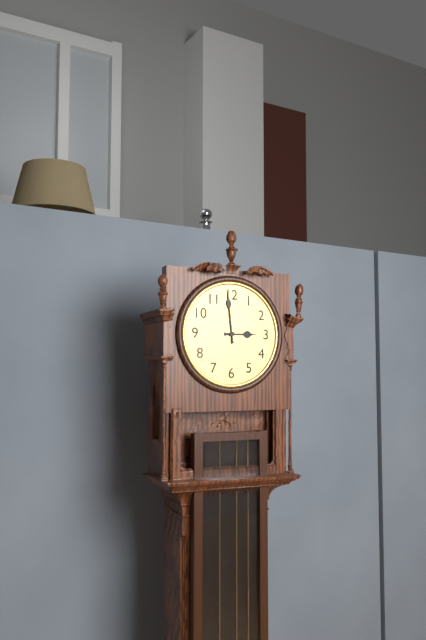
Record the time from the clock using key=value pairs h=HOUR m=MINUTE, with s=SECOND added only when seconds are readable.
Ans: h=2 m=59
